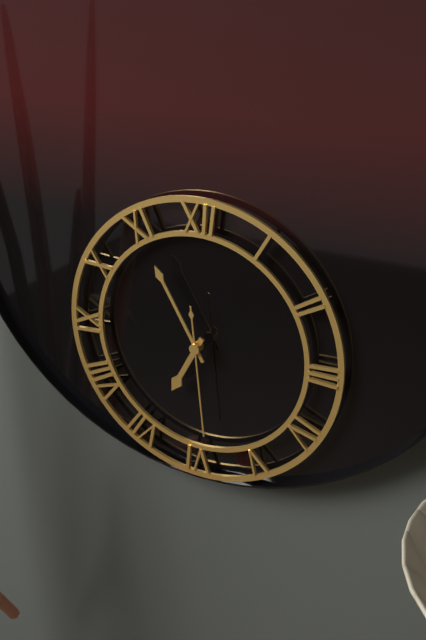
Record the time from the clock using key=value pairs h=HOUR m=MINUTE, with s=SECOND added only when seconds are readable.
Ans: h=6 m=55 s=29
